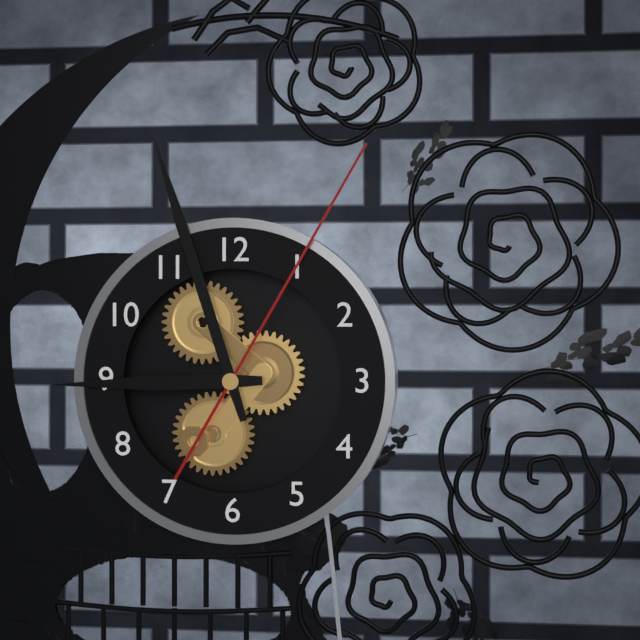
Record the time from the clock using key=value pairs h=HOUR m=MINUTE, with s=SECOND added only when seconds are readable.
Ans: h=8 m=57 s=5
